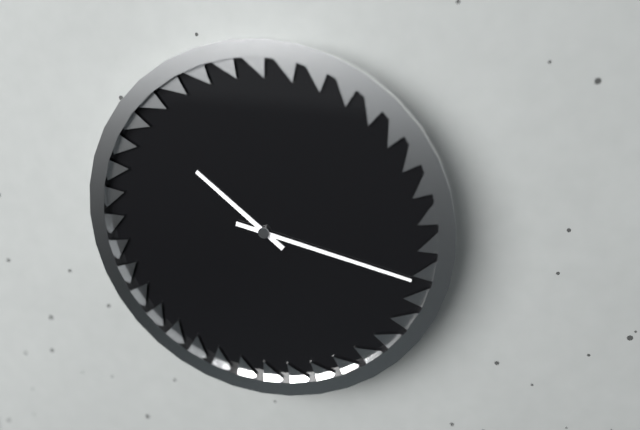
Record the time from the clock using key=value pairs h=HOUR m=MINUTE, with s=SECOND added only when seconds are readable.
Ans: h=10 m=17
